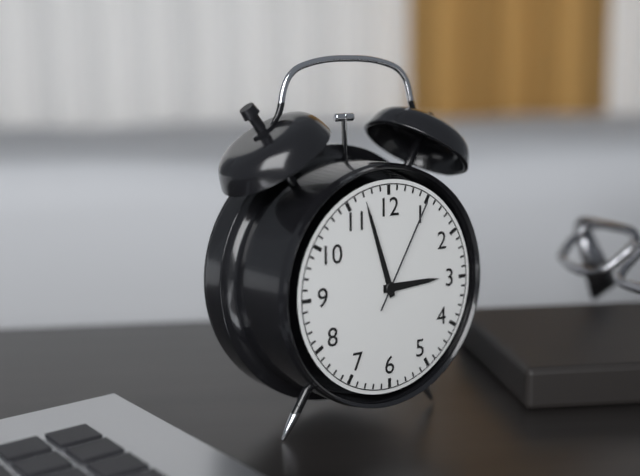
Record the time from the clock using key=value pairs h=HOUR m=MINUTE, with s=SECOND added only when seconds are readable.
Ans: h=2 m=57 s=5
